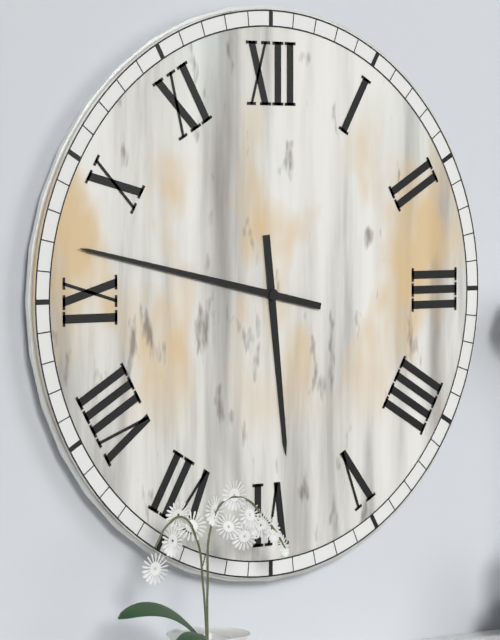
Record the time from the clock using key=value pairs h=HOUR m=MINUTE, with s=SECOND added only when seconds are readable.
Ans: h=5 m=47
